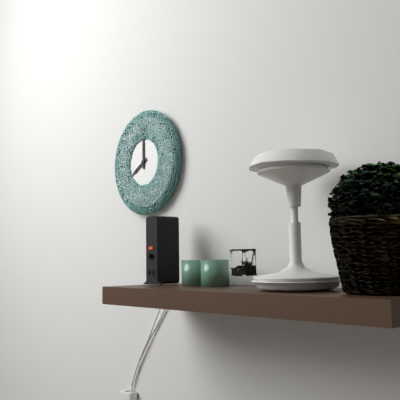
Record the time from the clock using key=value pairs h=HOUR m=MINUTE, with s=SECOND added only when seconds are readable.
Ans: h=8 m=0
